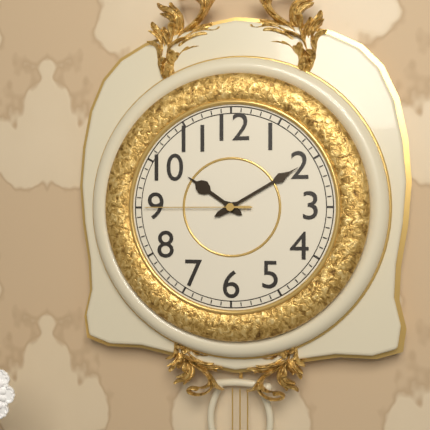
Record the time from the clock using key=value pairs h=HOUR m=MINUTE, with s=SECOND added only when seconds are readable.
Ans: h=10 m=10 s=45
